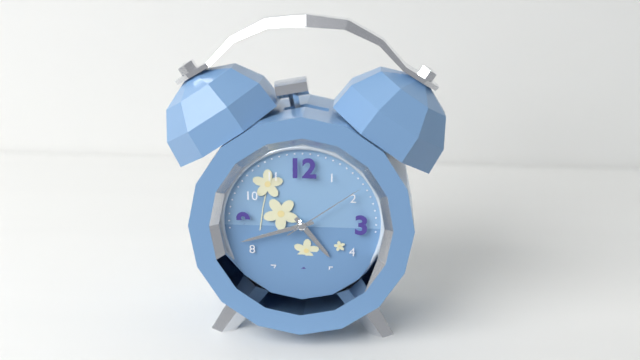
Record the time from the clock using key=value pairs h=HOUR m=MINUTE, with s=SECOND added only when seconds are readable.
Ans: h=4 m=42 s=9
